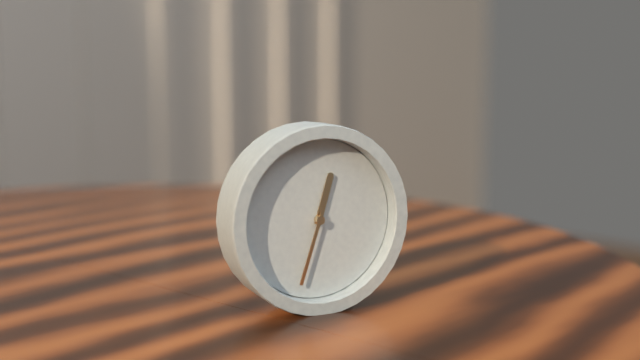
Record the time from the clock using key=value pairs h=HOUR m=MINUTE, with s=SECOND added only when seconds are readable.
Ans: h=12 m=33
